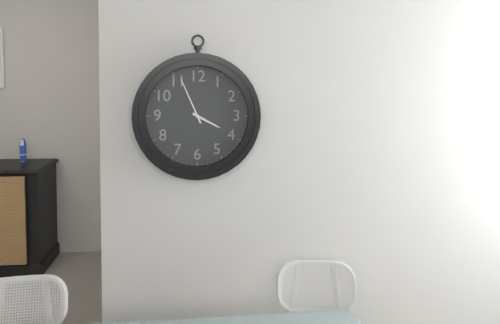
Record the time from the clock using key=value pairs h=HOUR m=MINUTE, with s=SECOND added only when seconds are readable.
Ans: h=3 m=56
